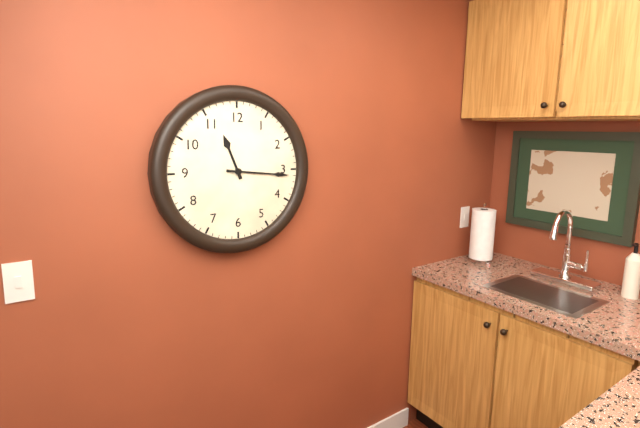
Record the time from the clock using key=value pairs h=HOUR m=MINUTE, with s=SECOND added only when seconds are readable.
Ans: h=11 m=16
